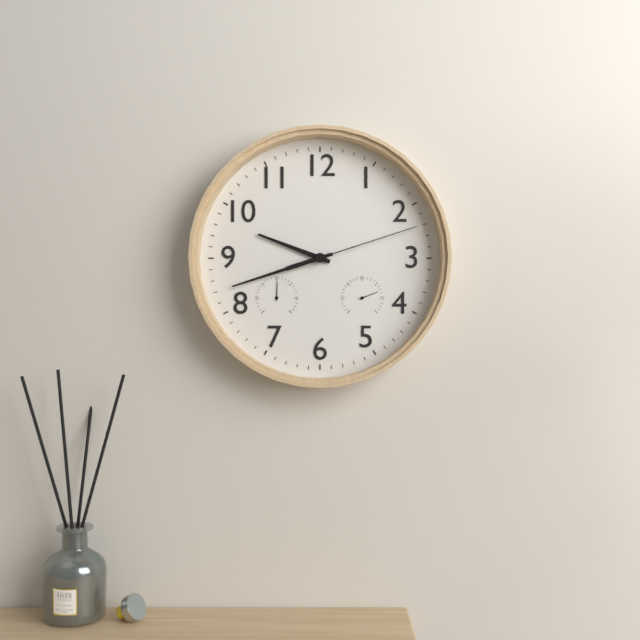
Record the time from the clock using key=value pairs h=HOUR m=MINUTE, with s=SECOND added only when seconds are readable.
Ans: h=9 m=42 s=12
